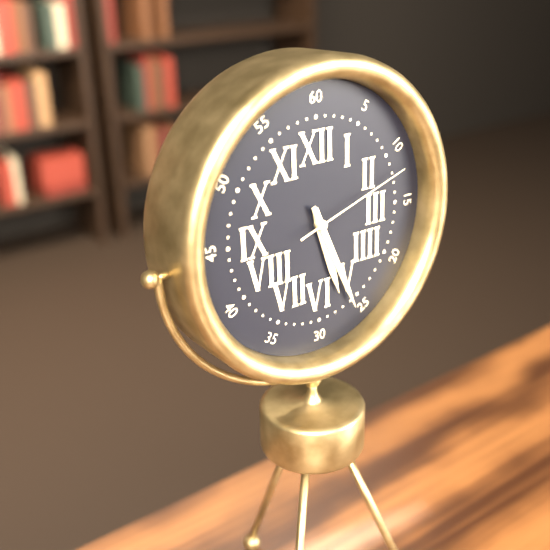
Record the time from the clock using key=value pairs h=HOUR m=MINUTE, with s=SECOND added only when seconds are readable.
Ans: h=5 m=26 s=12
